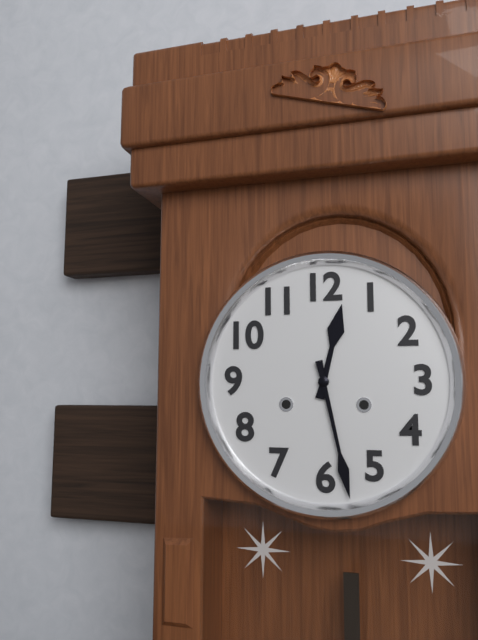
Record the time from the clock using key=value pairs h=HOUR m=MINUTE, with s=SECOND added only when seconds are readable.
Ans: h=12 m=28
